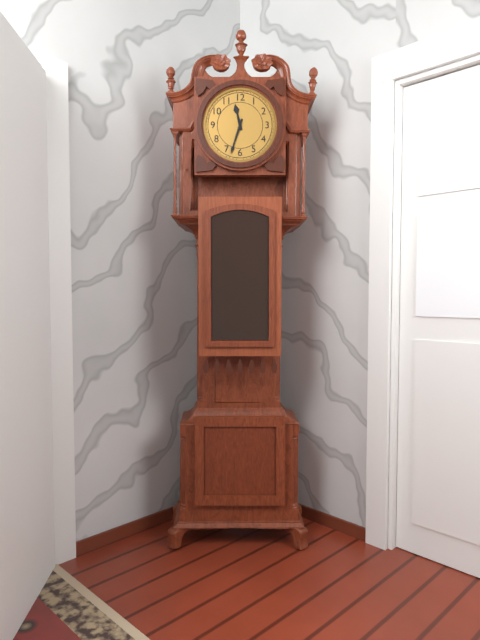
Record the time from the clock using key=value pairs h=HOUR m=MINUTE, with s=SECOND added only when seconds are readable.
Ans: h=11 m=33
